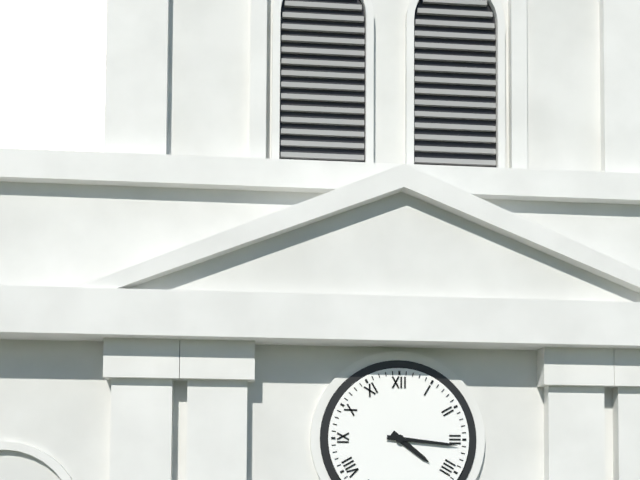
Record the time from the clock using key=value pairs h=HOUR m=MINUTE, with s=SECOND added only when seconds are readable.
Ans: h=4 m=16
